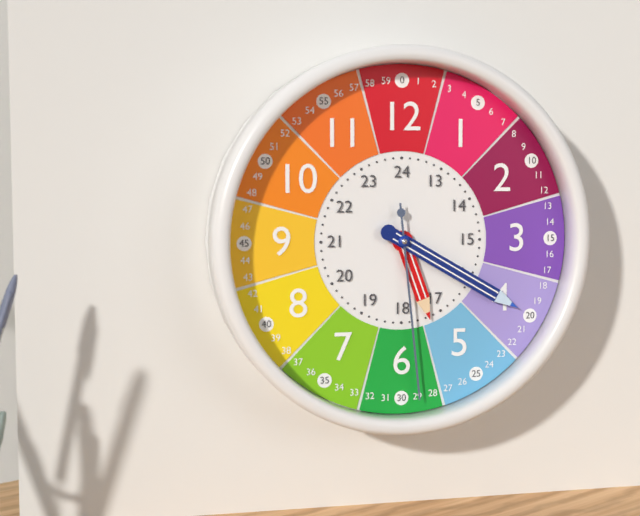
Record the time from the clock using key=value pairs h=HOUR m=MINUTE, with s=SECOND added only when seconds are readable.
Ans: h=5 m=20 s=29
